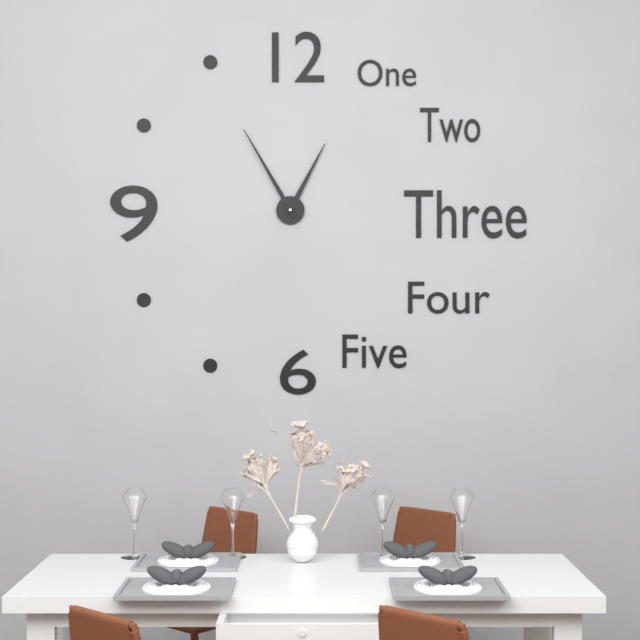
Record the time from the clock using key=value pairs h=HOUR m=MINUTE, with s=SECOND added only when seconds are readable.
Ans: h=12 m=55
